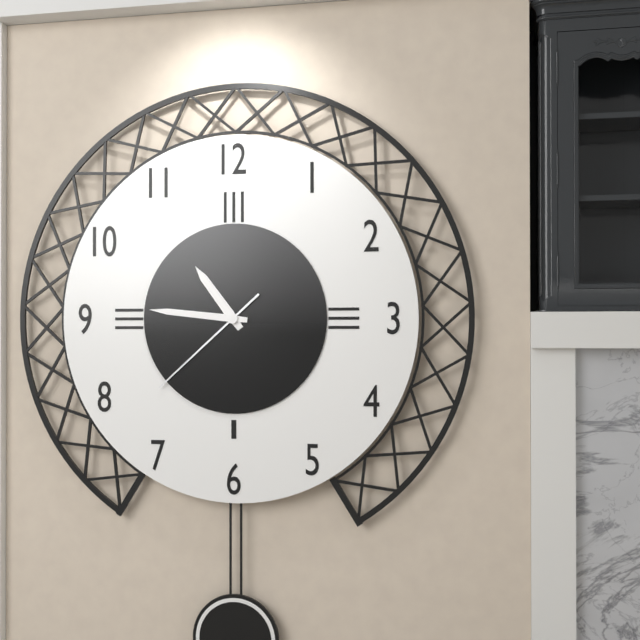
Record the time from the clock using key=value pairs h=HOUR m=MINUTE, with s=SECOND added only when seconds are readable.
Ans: h=10 m=46 s=38
